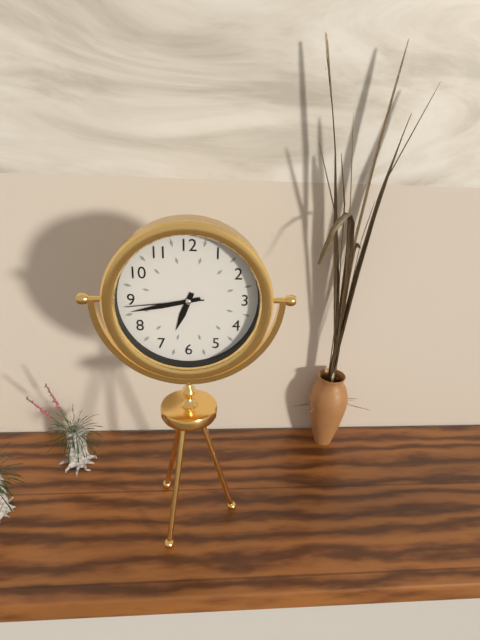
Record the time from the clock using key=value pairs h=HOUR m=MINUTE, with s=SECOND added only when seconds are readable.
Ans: h=6 m=43 s=44
